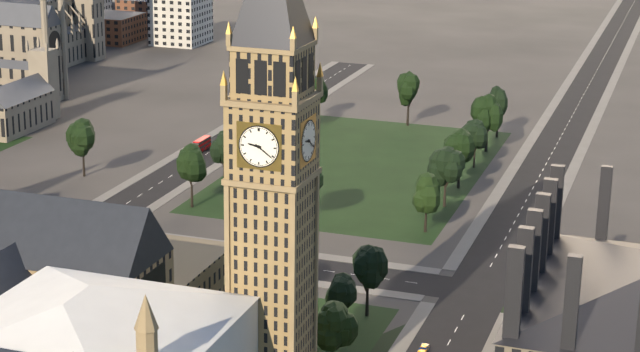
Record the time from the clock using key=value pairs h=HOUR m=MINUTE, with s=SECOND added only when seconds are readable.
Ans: h=9 m=21
